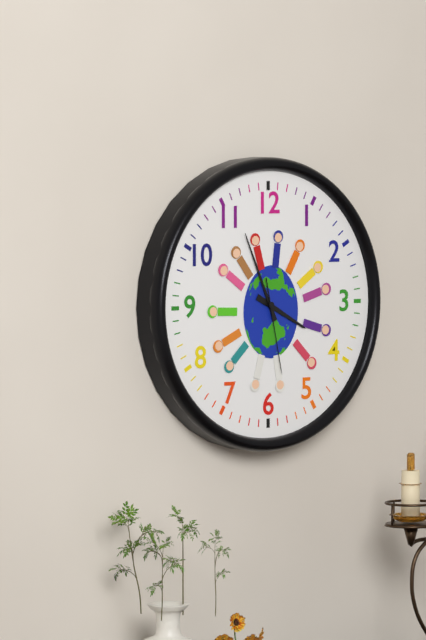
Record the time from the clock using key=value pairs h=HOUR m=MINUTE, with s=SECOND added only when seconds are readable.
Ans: h=3 m=56 s=28
